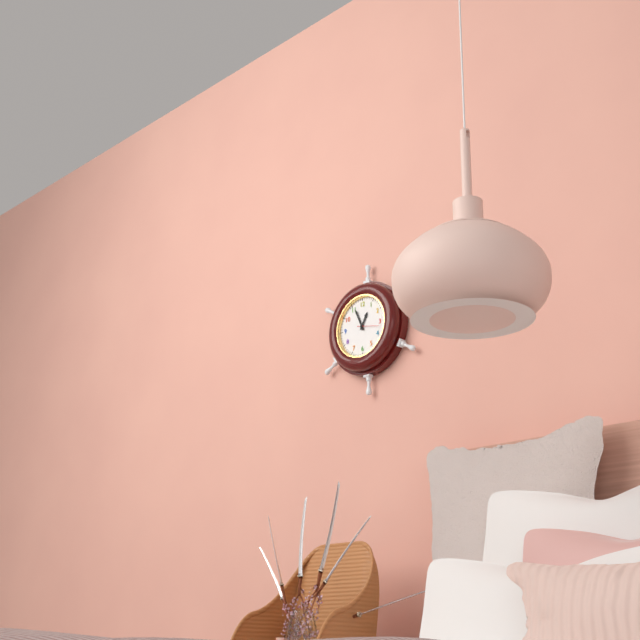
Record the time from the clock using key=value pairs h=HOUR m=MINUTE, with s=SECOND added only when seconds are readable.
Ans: h=12 m=56
